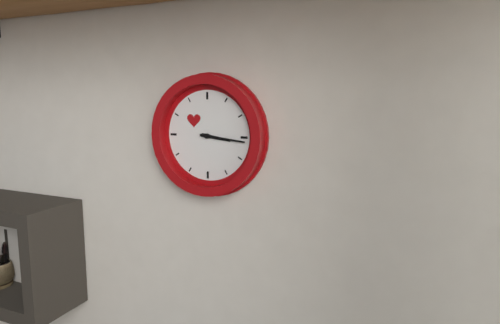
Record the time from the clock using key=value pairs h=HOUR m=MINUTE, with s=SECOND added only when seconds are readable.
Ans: h=3 m=16
